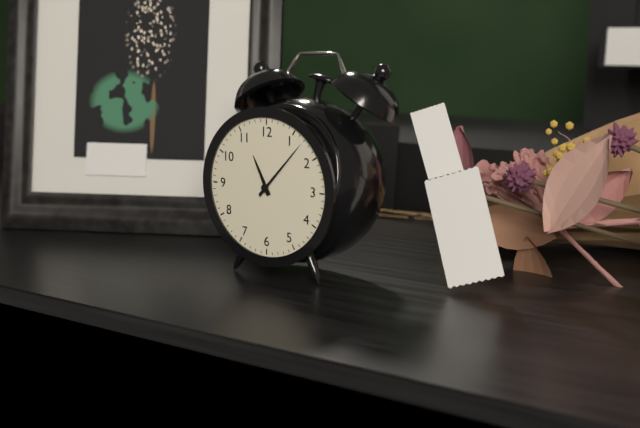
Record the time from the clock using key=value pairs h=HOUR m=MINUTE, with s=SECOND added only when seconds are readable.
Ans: h=11 m=7
